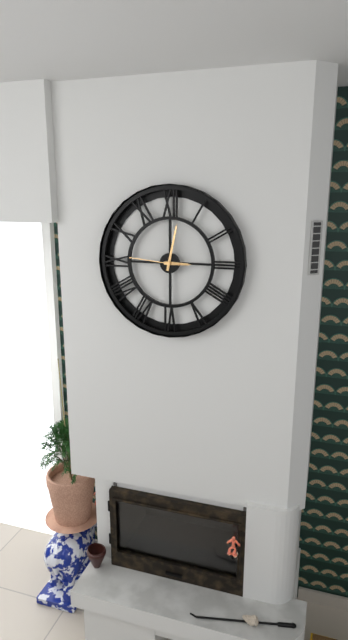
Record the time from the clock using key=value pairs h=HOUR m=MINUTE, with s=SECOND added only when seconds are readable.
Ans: h=3 m=2 s=46
